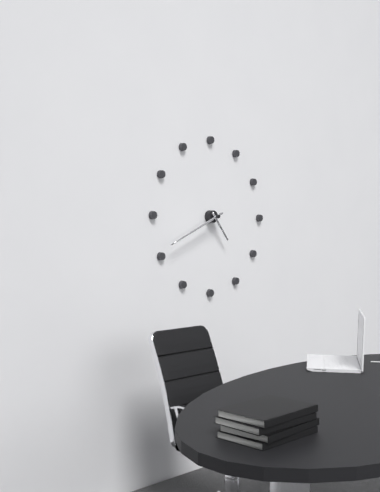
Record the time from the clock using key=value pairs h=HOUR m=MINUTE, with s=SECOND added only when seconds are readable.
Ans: h=4 m=41
